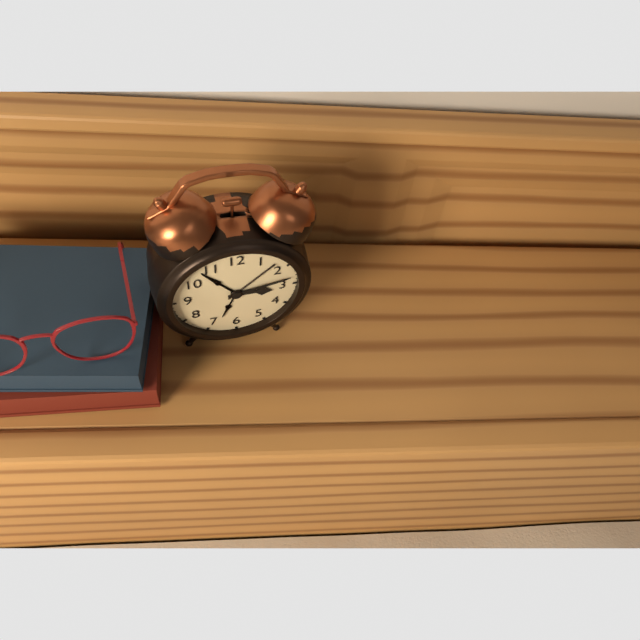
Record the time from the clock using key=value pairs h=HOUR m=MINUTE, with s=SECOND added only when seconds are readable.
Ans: h=3 m=13
